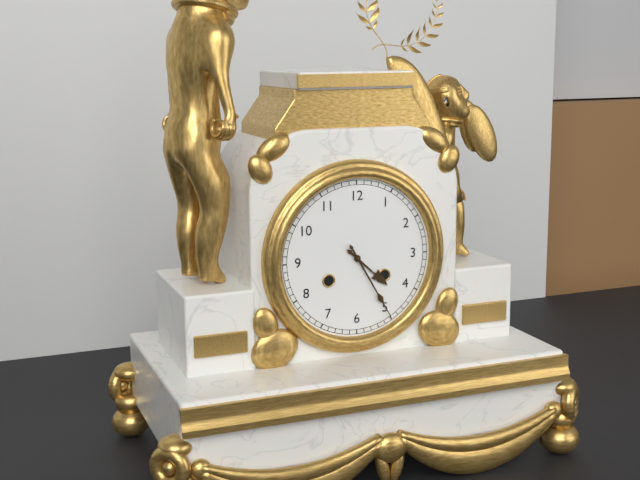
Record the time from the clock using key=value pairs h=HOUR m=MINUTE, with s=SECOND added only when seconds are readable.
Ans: h=4 m=25
